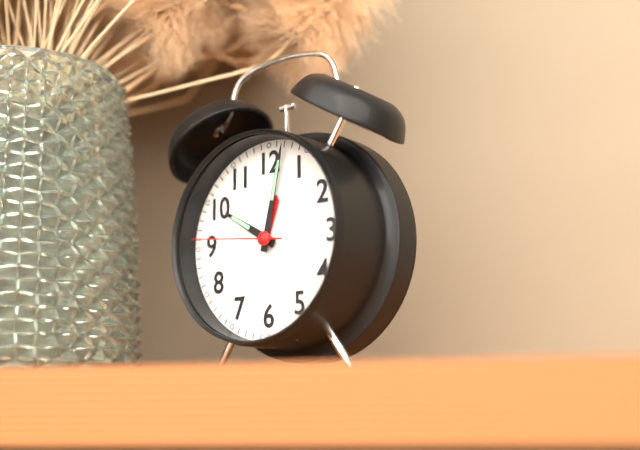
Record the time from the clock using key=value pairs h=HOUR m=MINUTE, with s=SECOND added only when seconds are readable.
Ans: h=10 m=2 s=46
